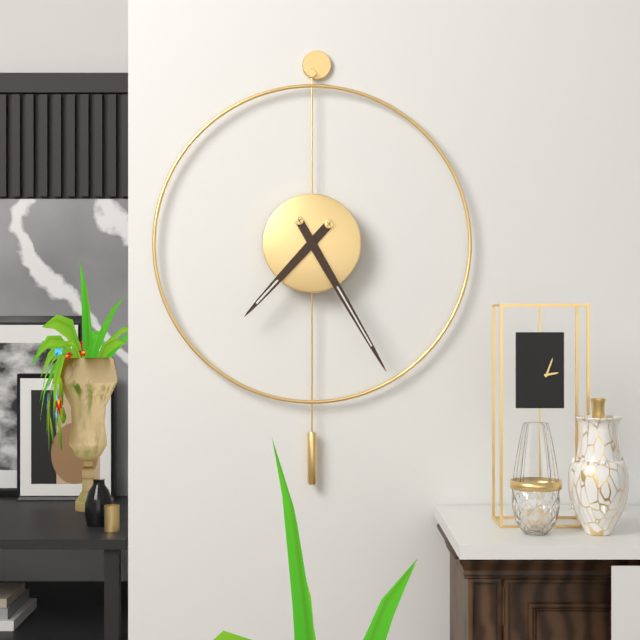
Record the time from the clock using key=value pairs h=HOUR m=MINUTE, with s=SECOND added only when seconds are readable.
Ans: h=7 m=25
